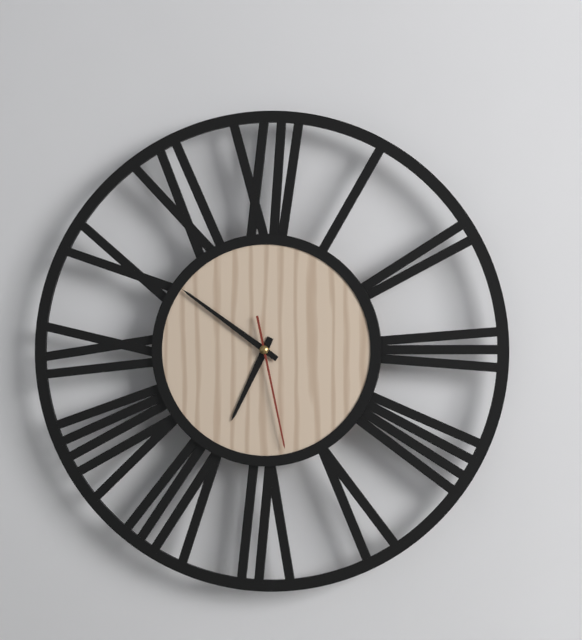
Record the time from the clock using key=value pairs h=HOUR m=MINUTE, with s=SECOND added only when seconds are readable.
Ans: h=6 m=51 s=28
